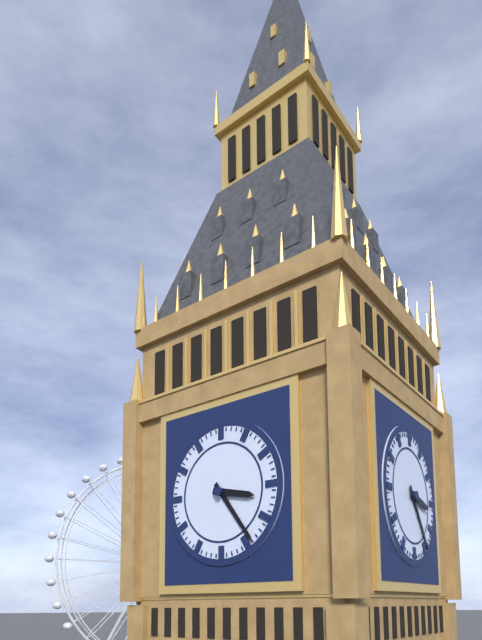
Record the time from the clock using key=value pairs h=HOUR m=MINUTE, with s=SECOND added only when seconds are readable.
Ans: h=3 m=24
